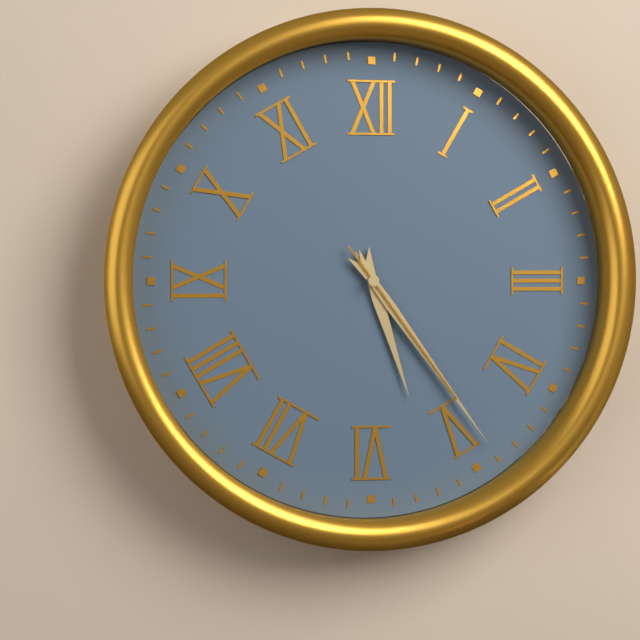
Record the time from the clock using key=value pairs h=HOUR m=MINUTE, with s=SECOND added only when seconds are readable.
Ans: h=5 m=24 s=24
